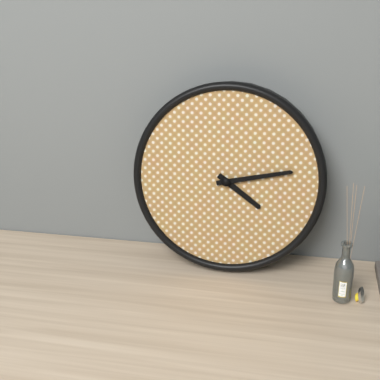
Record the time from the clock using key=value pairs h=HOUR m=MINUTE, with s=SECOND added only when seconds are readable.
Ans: h=4 m=13
